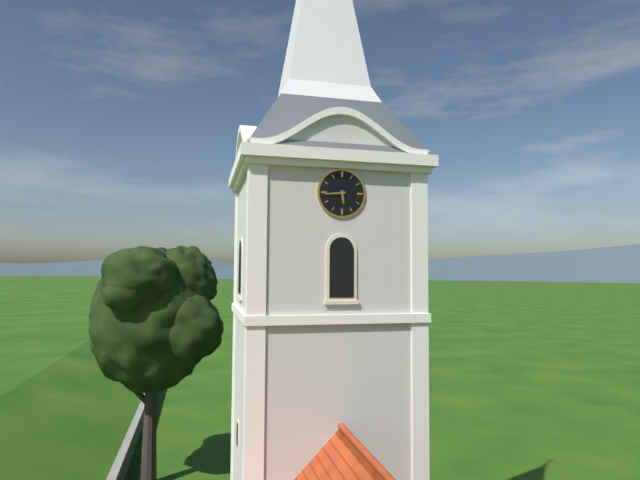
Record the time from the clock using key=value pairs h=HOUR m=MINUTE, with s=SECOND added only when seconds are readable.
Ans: h=5 m=44
